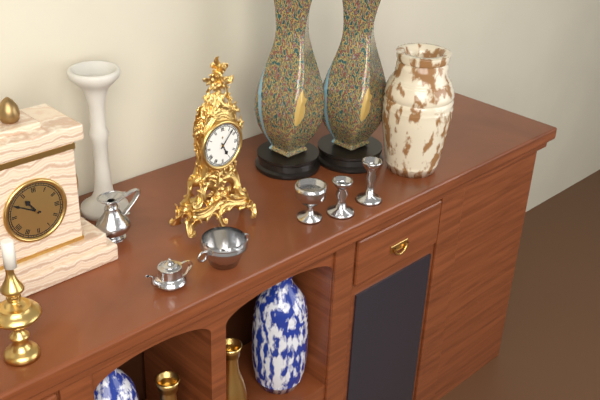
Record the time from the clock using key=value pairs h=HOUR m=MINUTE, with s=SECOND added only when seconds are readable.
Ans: h=5 m=7
